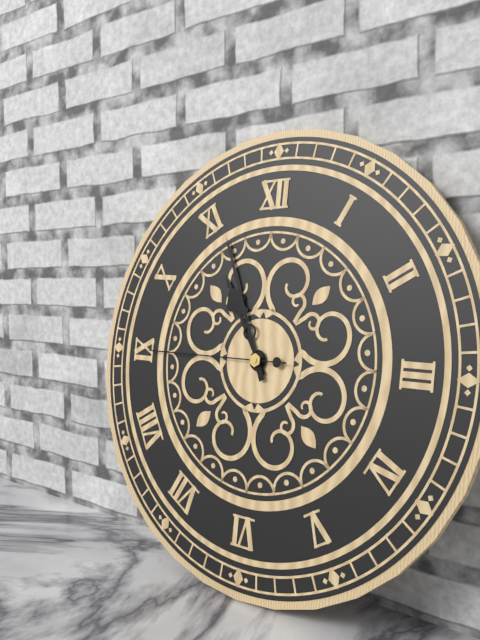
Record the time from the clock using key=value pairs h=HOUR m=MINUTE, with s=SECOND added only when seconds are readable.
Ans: h=10 m=56 s=45
